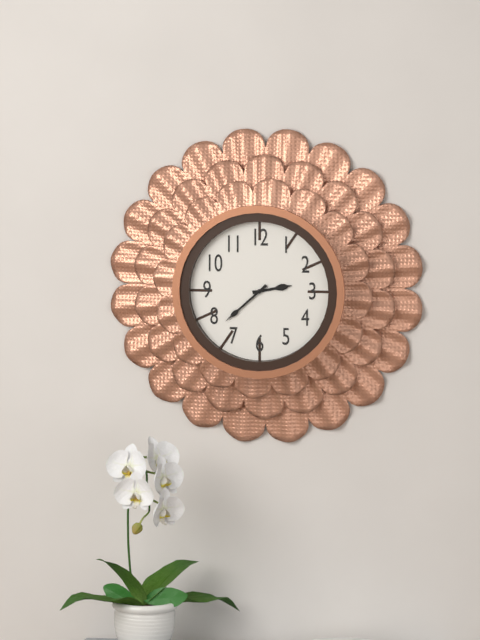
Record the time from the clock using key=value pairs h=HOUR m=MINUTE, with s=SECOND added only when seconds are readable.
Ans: h=2 m=38
